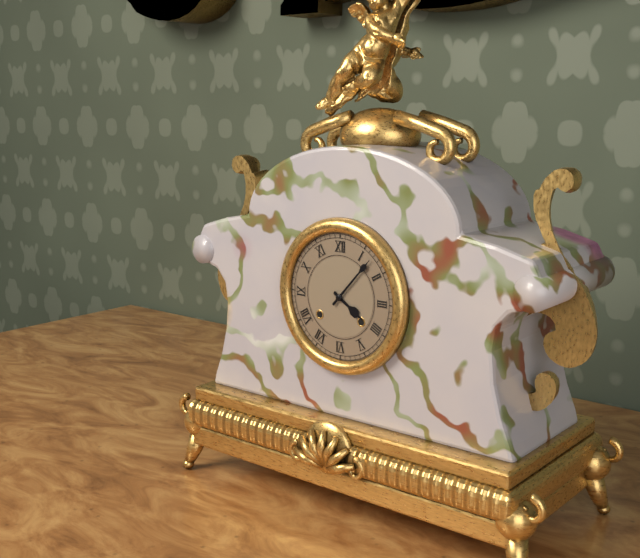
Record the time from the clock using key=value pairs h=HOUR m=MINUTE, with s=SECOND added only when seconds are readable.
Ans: h=4 m=7
